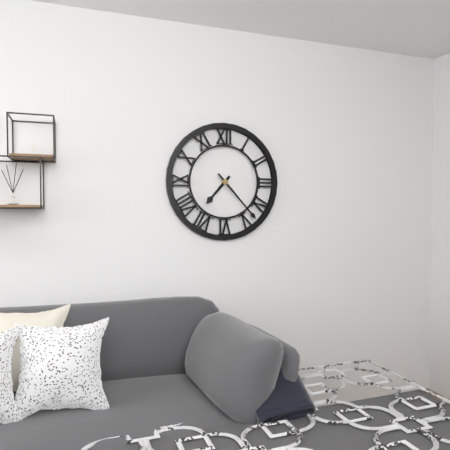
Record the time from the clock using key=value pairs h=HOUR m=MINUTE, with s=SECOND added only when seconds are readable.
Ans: h=7 m=23
